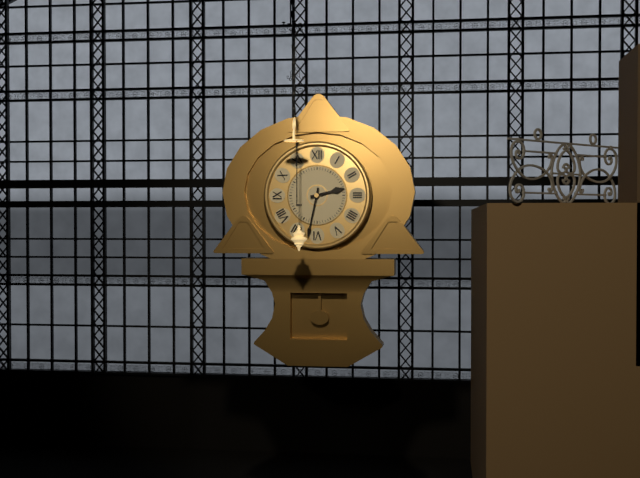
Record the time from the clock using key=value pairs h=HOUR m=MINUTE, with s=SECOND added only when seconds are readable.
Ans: h=2 m=32
